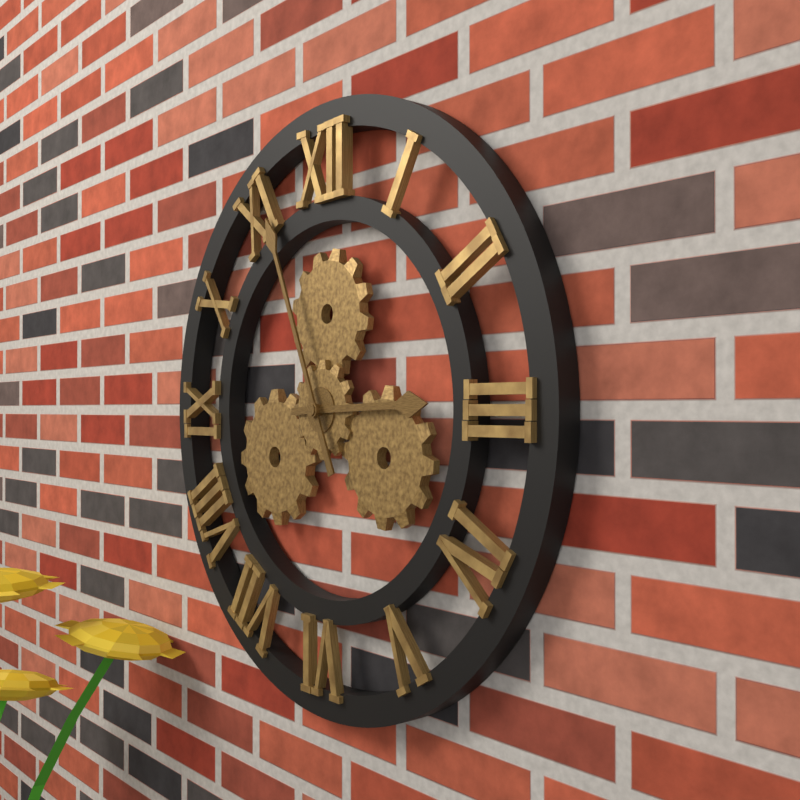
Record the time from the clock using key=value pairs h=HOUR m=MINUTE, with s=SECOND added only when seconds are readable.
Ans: h=2 m=56
